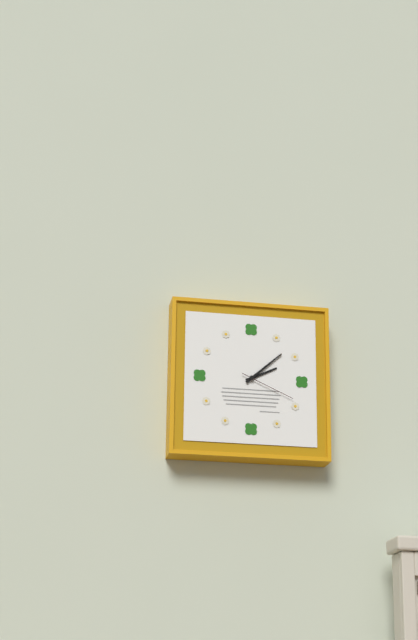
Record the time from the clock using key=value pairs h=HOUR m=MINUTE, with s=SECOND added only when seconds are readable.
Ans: h=2 m=8 s=19
